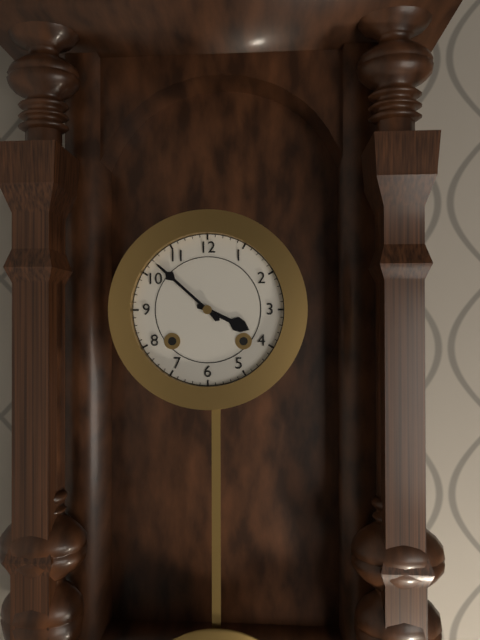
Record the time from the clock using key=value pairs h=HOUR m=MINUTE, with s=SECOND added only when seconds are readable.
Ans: h=3 m=52
